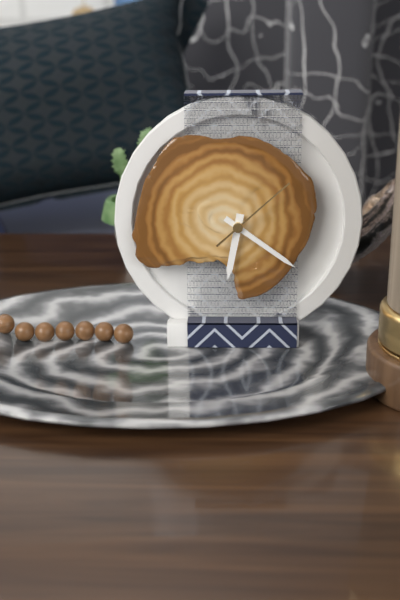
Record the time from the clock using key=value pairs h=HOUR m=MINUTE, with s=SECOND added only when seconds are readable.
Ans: h=6 m=21 s=8
